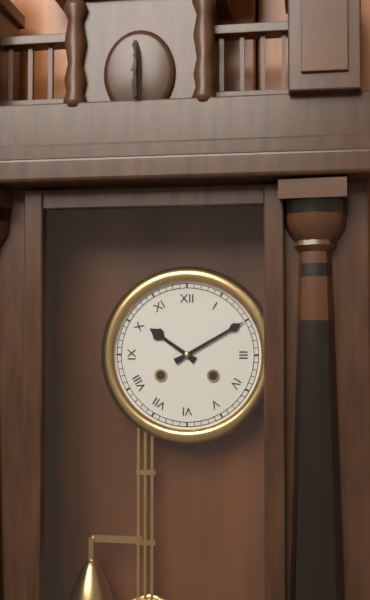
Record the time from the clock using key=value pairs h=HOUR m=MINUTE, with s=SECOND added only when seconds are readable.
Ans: h=10 m=10
